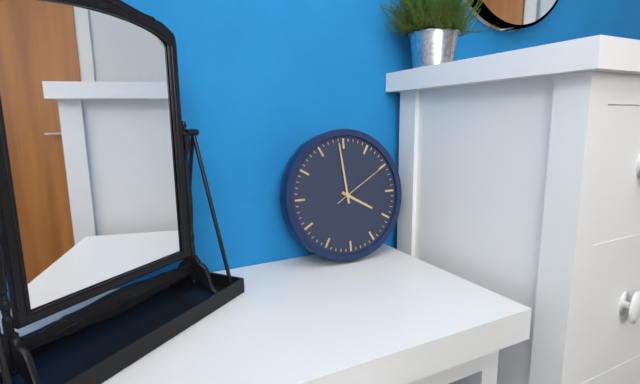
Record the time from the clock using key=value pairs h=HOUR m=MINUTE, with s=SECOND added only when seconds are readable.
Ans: h=3 m=59 s=10
